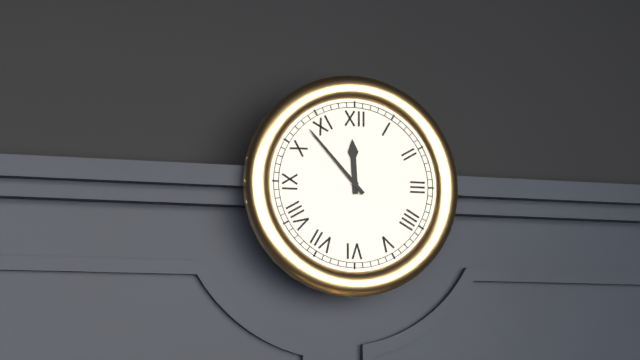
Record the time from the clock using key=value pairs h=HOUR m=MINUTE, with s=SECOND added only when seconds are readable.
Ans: h=11 m=53
